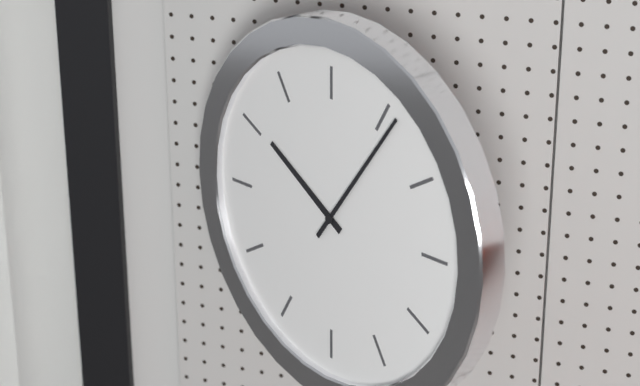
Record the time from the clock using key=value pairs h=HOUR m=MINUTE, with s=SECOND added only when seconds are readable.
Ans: h=10 m=6
